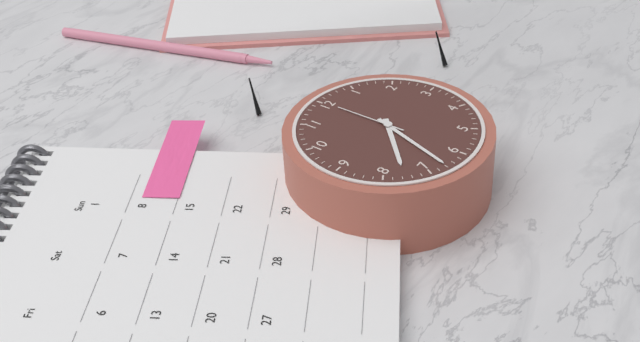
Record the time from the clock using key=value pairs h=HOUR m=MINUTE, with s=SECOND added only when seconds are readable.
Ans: h=7 m=33 s=0
